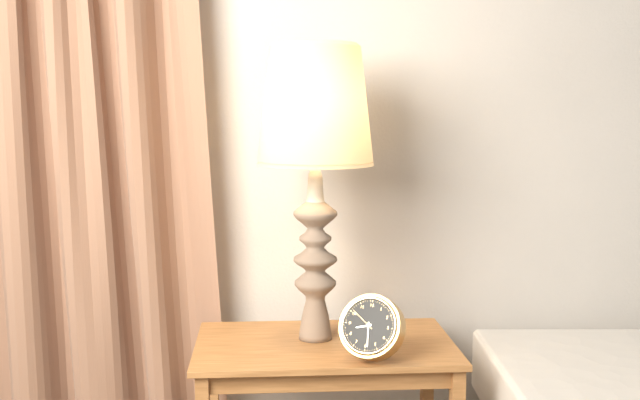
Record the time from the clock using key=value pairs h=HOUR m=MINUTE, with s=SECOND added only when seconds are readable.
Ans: h=8 m=29
